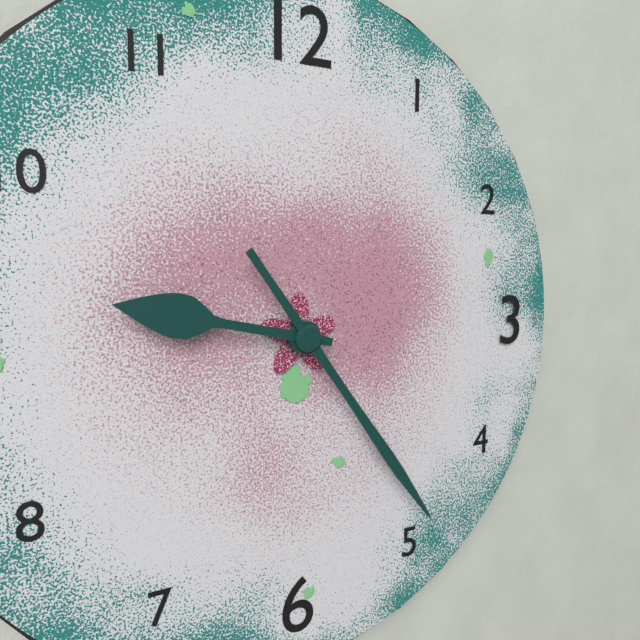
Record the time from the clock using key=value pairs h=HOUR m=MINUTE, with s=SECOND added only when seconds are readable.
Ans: h=9 m=24
